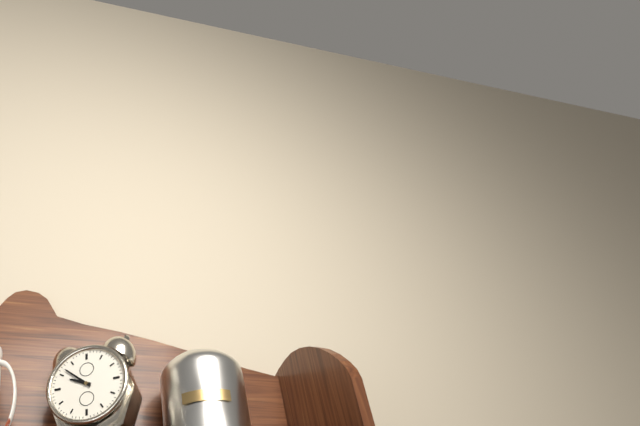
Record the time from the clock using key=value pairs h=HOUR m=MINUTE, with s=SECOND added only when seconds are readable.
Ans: h=9 m=52
